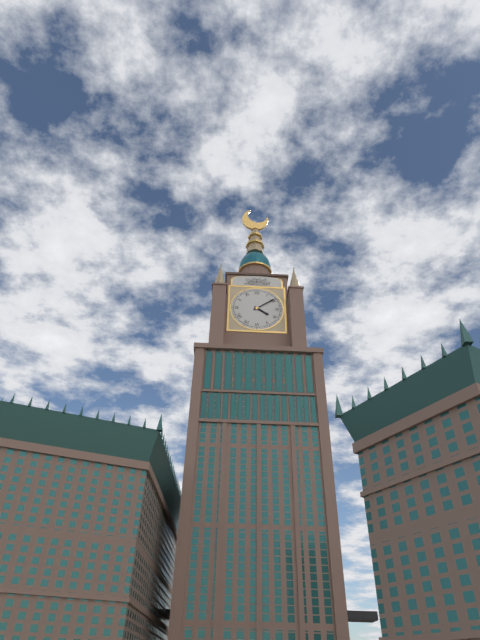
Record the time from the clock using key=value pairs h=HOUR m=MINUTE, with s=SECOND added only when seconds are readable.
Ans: h=4 m=9
